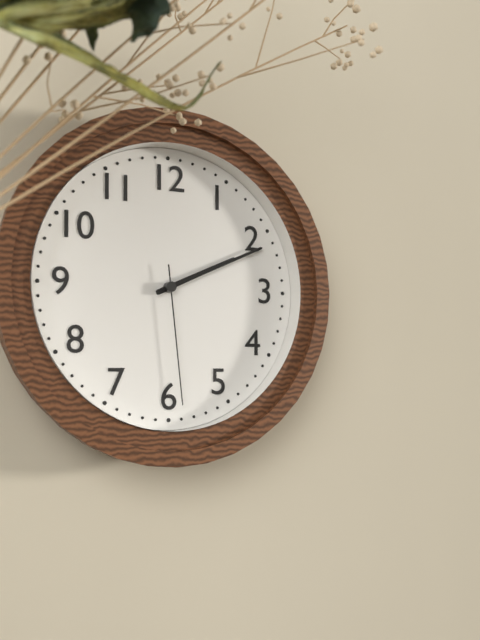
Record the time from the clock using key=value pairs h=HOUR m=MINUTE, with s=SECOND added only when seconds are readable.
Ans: h=2 m=11 s=29
